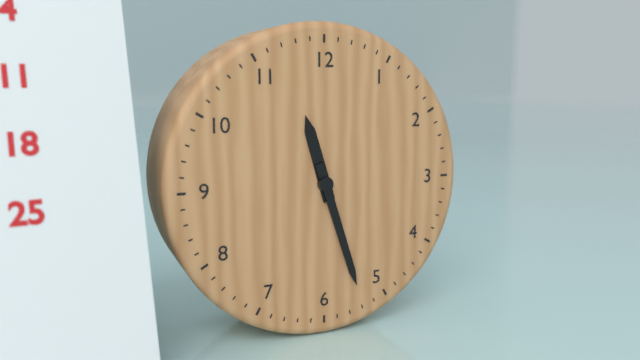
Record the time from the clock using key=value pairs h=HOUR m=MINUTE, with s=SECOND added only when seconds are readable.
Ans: h=11 m=27
